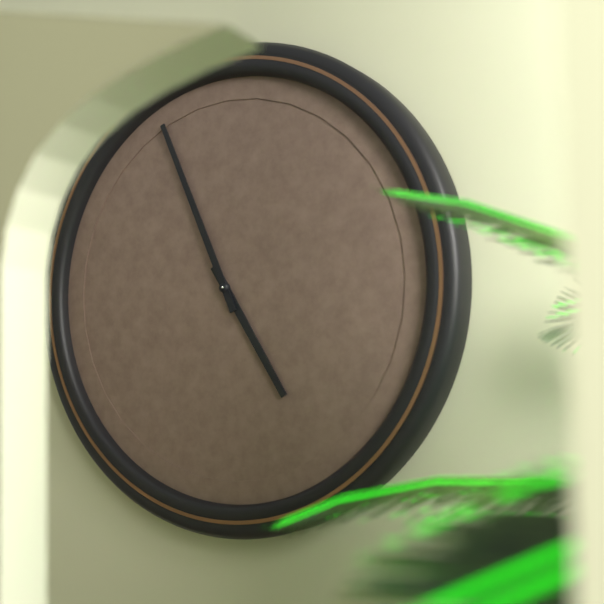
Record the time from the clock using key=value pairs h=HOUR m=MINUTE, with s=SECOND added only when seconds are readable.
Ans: h=4 m=56
